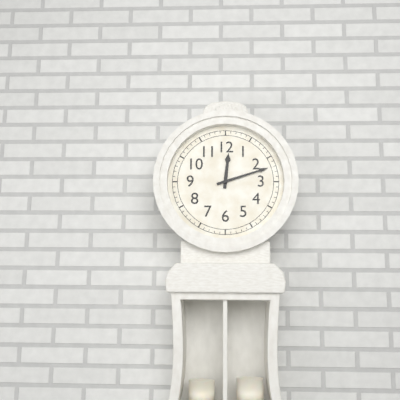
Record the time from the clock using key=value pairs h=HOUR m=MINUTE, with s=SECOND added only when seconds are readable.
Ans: h=12 m=12
